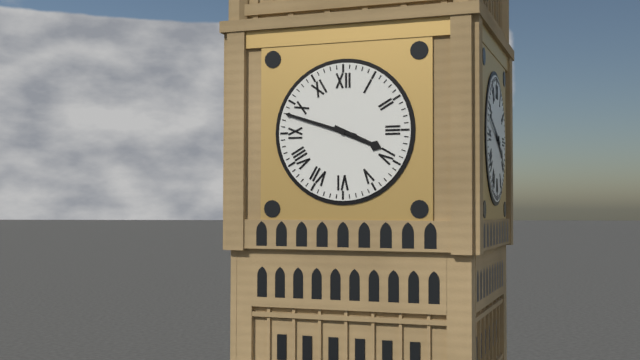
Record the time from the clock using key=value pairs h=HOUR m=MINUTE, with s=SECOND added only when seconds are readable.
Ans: h=3 m=48
